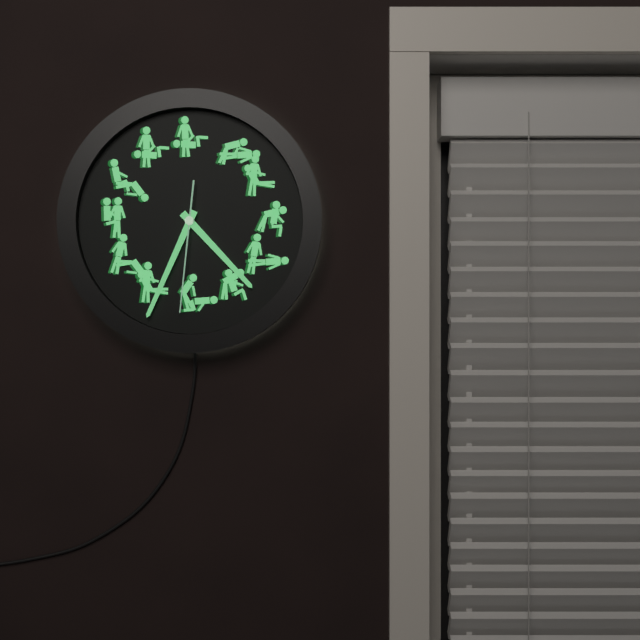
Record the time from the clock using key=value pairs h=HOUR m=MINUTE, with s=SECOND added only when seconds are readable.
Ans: h=4 m=34 s=31
